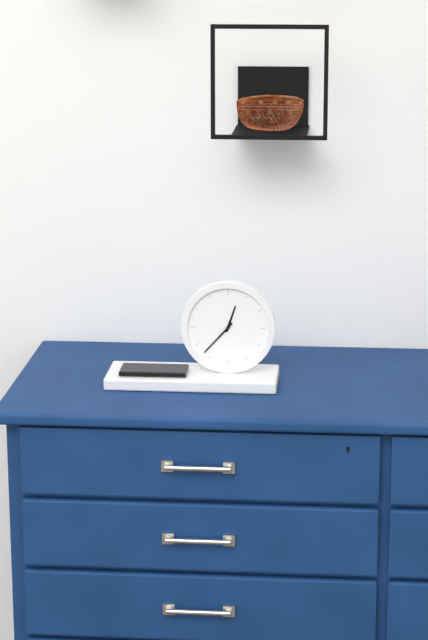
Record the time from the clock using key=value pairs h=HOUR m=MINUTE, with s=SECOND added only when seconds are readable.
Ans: h=12 m=37
